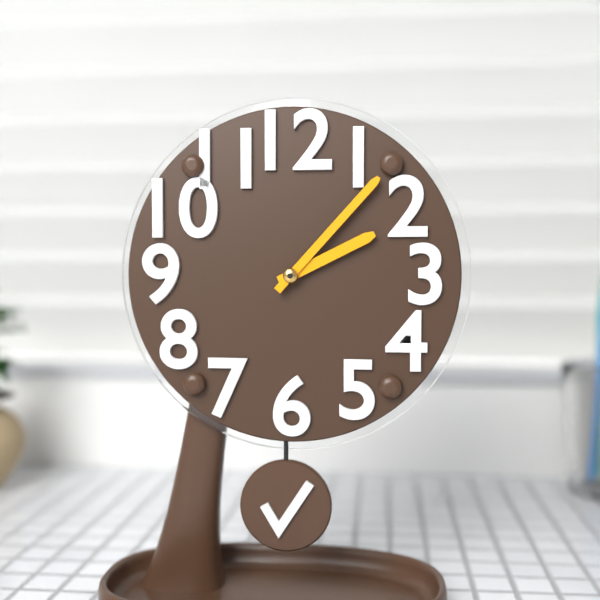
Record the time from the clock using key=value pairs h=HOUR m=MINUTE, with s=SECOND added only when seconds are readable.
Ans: h=2 m=7
